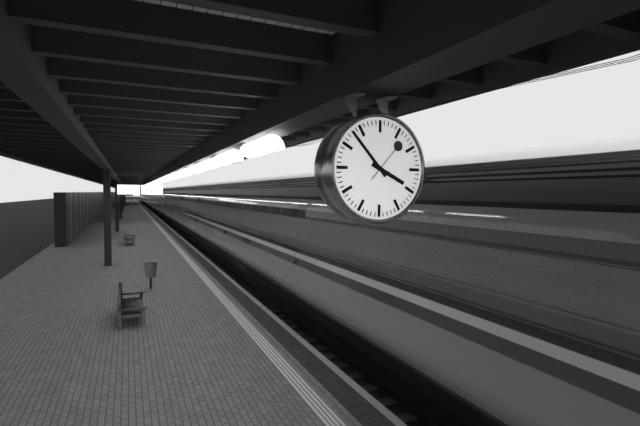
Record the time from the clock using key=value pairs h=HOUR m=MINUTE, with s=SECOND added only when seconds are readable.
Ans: h=3 m=53 s=7
